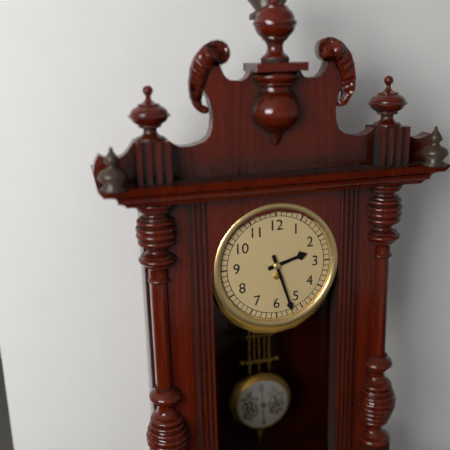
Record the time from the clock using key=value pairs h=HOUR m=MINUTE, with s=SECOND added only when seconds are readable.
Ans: h=2 m=27
